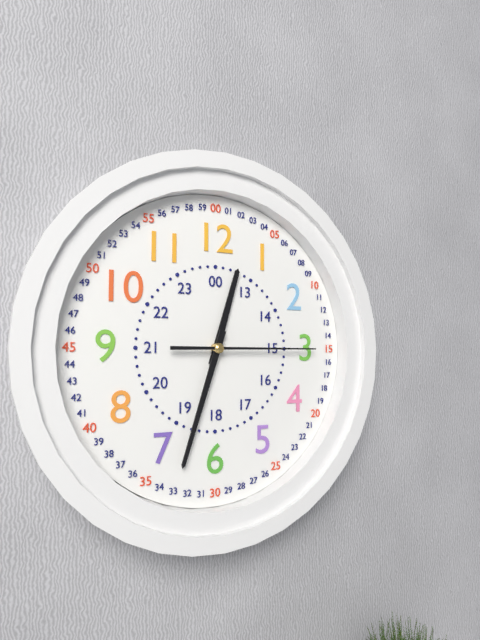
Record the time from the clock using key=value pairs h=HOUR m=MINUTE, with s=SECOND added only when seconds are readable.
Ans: h=12 m=33 s=15
